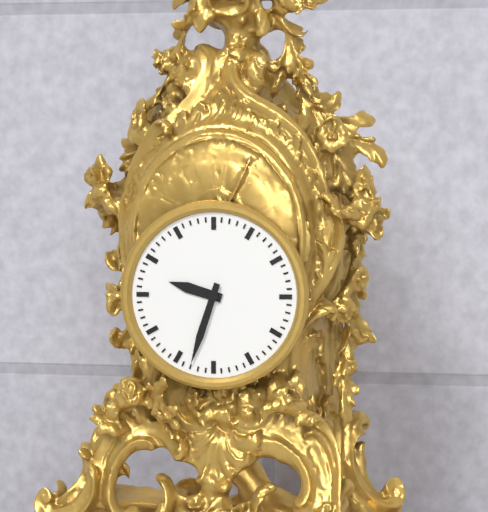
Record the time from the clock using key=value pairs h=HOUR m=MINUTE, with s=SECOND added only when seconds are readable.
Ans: h=9 m=33
